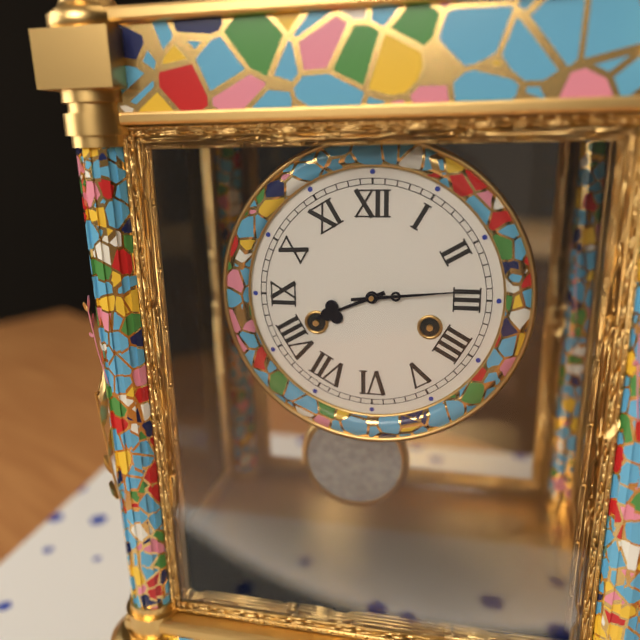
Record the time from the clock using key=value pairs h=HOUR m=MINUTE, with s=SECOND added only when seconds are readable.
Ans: h=8 m=14
